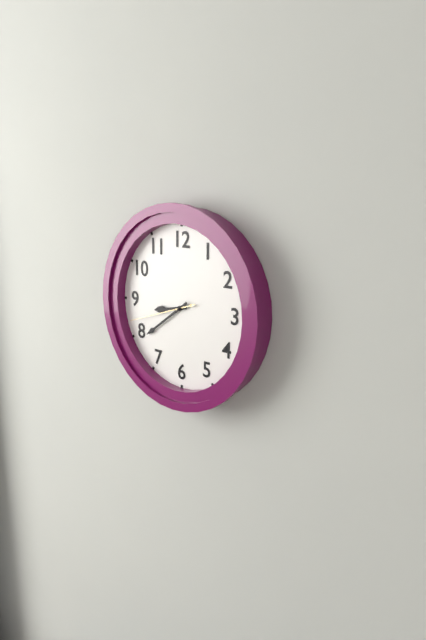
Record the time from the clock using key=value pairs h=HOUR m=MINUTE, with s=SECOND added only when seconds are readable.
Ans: h=8 m=39 s=42
